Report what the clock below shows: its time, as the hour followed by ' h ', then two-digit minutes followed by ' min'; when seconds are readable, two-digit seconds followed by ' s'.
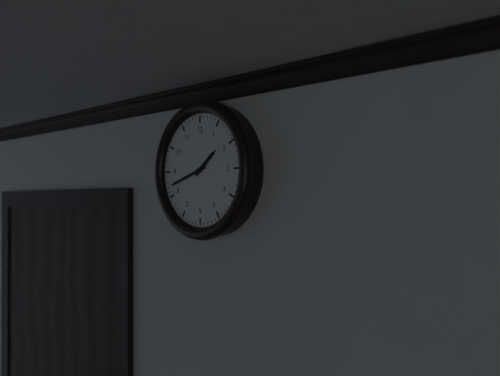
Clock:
1 h 42 min
